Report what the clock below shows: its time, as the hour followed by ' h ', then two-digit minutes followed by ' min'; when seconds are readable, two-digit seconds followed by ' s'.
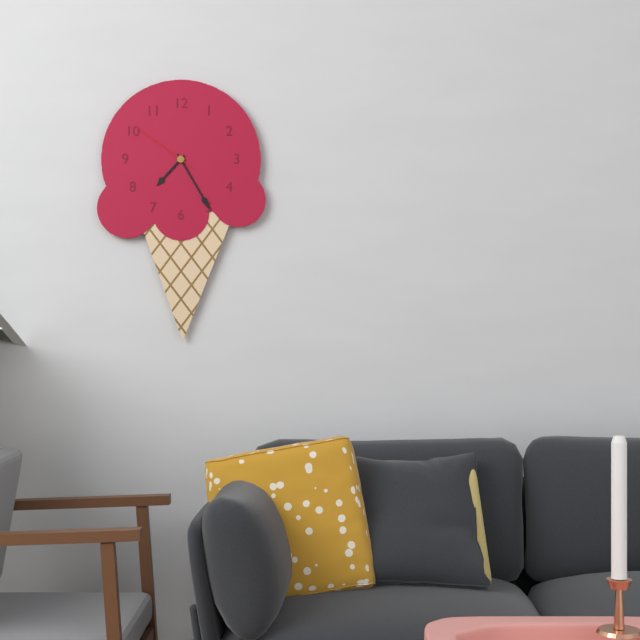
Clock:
7 h 25 min 51 s
